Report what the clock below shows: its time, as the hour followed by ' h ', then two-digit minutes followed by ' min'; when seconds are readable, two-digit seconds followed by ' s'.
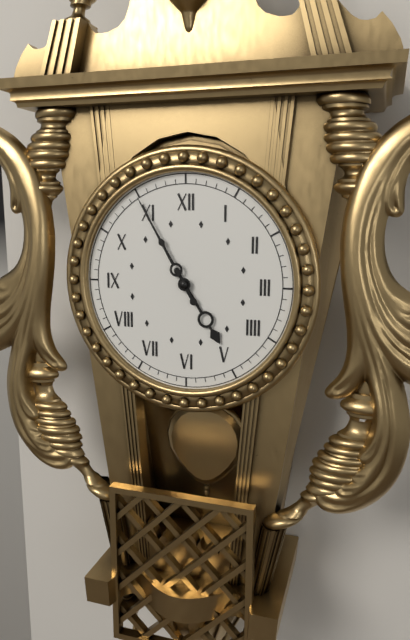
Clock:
4 h 55 min
